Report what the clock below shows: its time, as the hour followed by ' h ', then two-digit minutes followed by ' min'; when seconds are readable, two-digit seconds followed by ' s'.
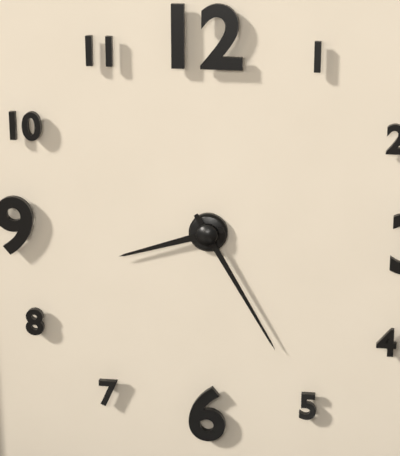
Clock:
8 h 25 min
